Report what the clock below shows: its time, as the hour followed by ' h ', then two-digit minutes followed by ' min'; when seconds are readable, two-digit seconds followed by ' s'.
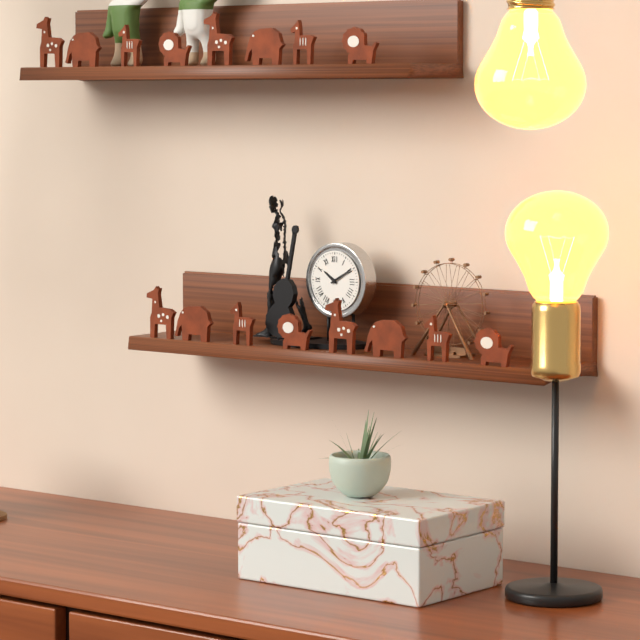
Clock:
10 h 10 min
